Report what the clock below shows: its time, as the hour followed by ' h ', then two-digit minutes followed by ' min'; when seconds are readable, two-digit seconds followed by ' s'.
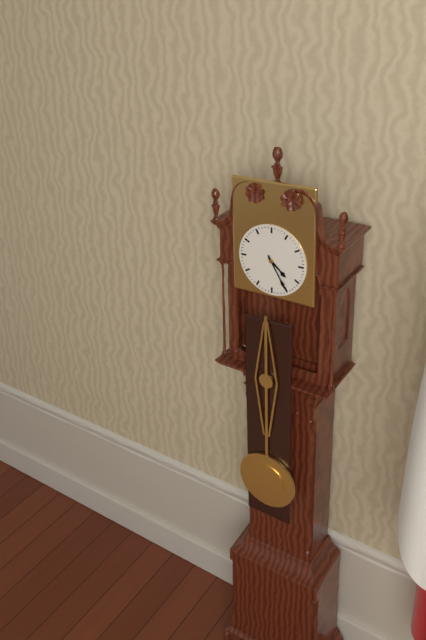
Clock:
4 h 25 min
